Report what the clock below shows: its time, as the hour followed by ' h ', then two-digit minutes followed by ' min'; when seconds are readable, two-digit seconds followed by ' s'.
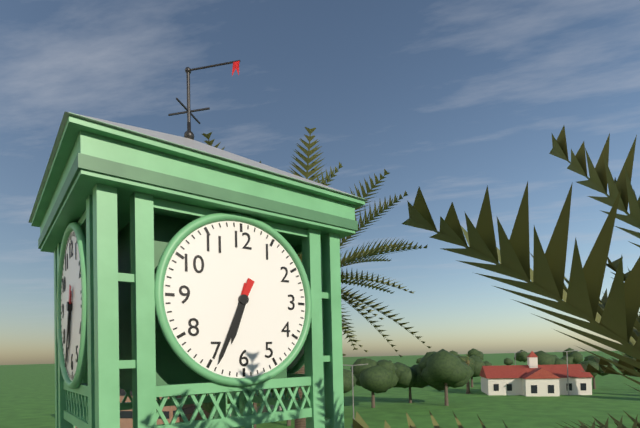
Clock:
6 h 34 min
